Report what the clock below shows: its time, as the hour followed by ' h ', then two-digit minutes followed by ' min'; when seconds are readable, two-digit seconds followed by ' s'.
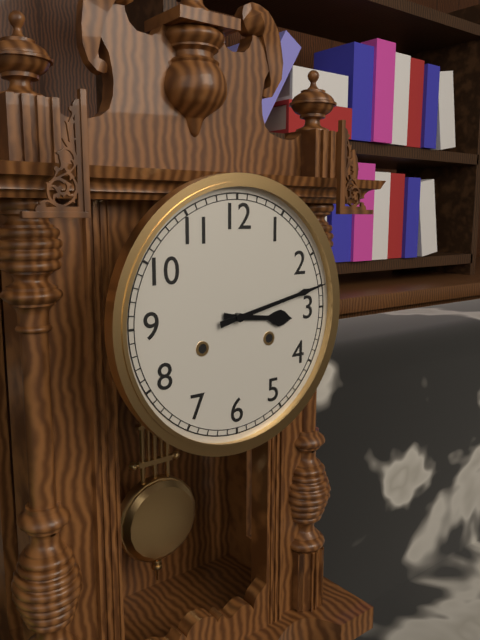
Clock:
3 h 13 min
